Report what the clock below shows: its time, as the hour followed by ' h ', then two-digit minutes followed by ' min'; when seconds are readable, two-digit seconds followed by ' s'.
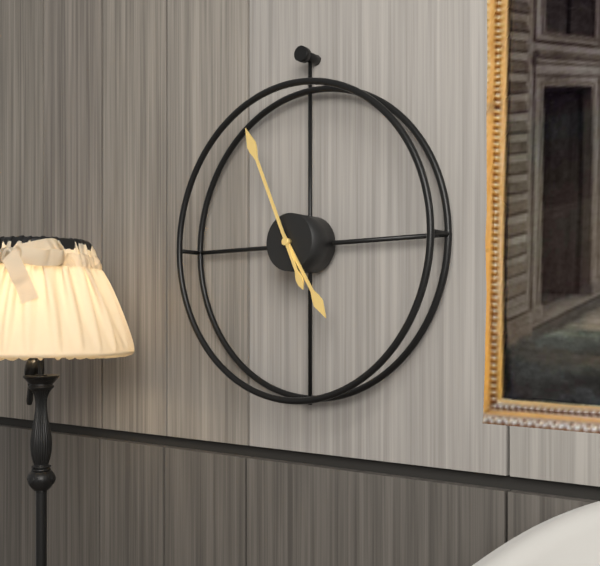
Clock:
4 h 56 min
